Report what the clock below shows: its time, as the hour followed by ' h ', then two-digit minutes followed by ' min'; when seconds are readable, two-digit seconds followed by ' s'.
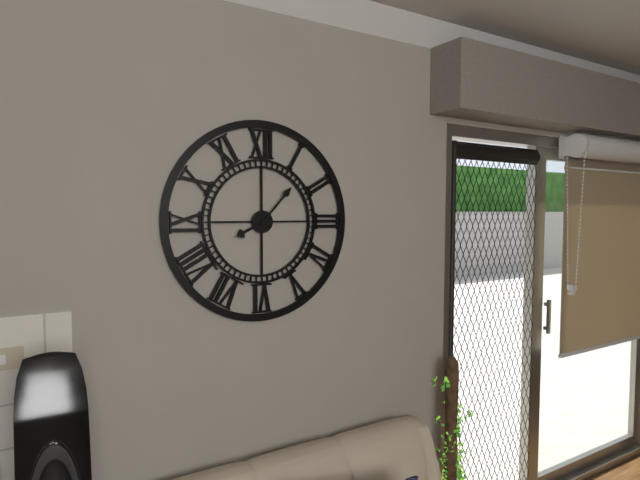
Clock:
8 h 07 min
